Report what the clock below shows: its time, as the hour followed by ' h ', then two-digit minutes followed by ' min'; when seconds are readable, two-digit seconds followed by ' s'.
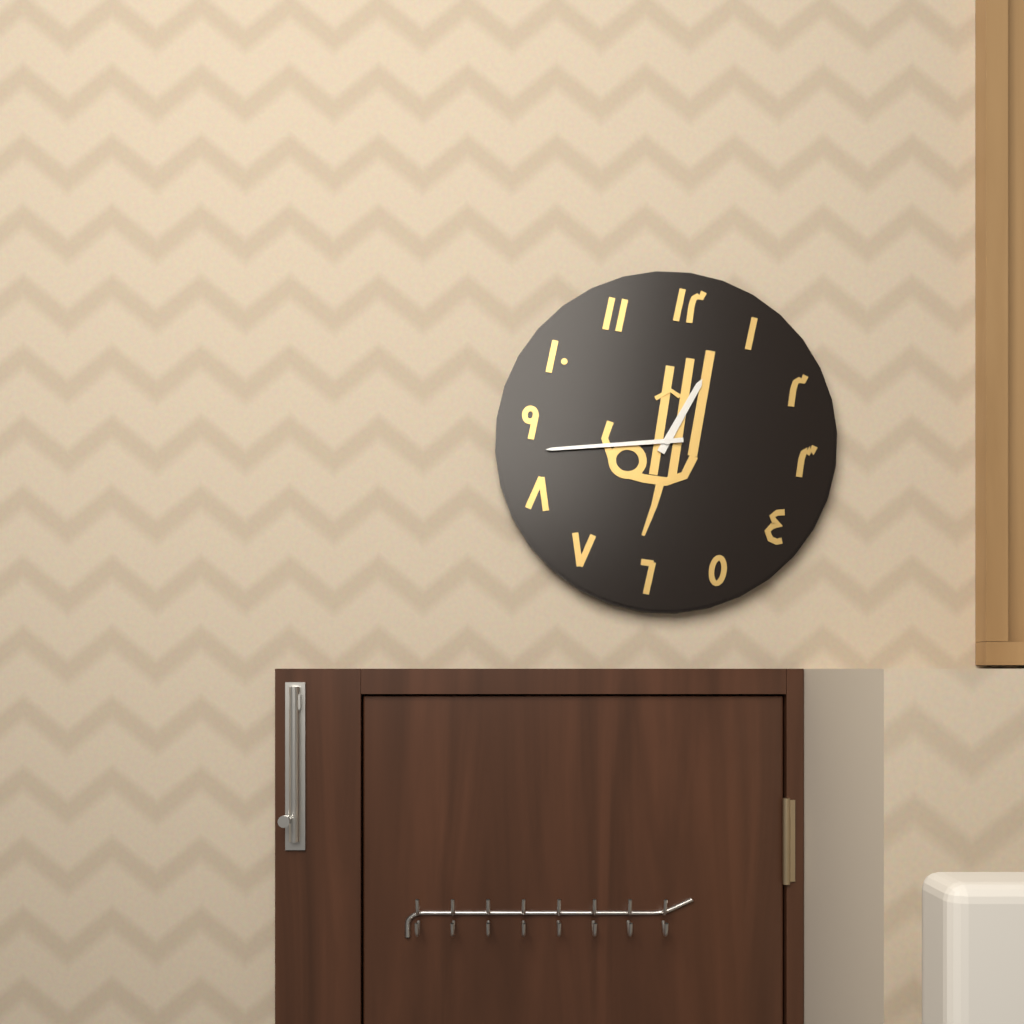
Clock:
12 h 43 min
